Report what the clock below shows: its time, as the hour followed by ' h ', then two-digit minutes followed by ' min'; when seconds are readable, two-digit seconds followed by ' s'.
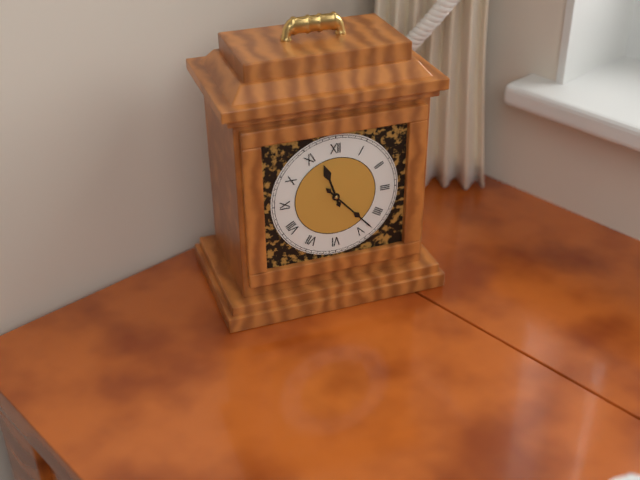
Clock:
11 h 23 min
